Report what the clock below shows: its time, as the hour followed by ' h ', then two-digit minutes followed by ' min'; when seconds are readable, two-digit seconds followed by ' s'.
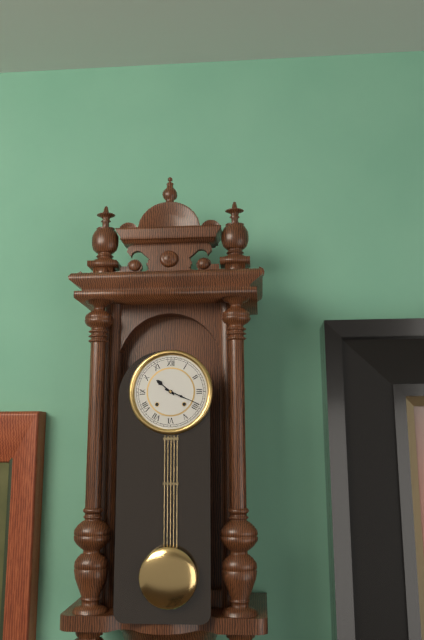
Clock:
10 h 19 min
